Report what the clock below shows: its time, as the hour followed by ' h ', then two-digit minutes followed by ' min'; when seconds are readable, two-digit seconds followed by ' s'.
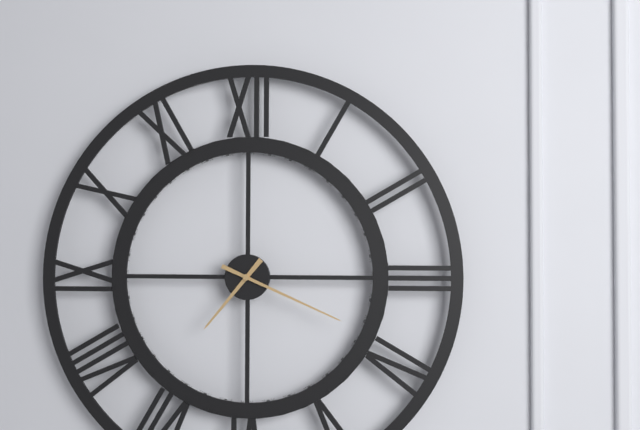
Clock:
7 h 19 min
